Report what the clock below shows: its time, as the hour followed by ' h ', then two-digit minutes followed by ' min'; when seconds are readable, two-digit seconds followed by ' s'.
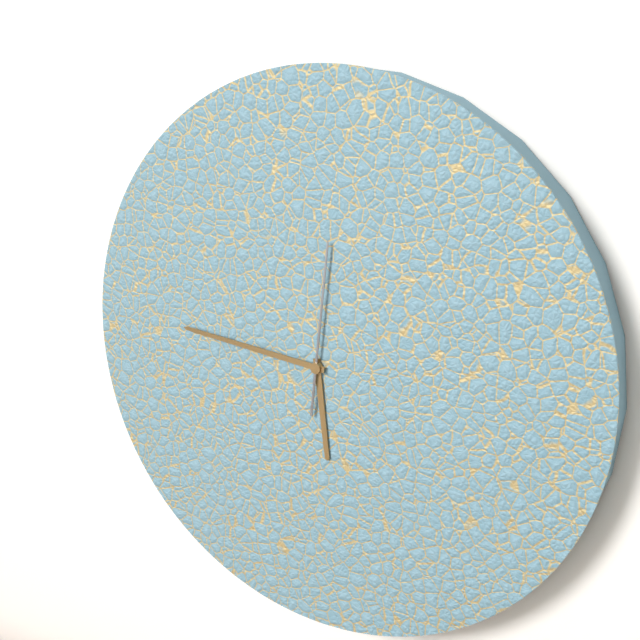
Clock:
5 h 46 min 01 s
